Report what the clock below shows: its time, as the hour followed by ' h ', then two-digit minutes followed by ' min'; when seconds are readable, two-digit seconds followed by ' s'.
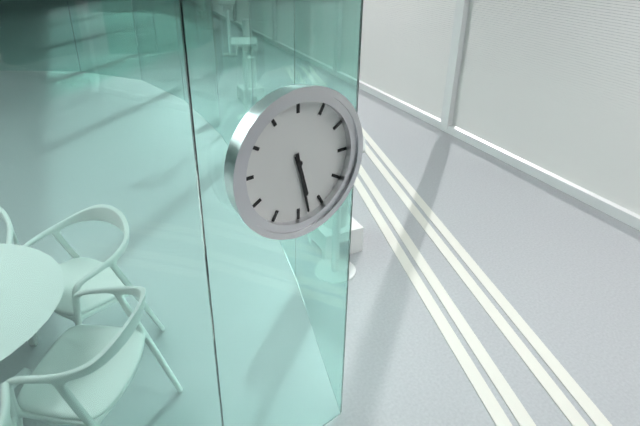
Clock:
5 h 28 min
